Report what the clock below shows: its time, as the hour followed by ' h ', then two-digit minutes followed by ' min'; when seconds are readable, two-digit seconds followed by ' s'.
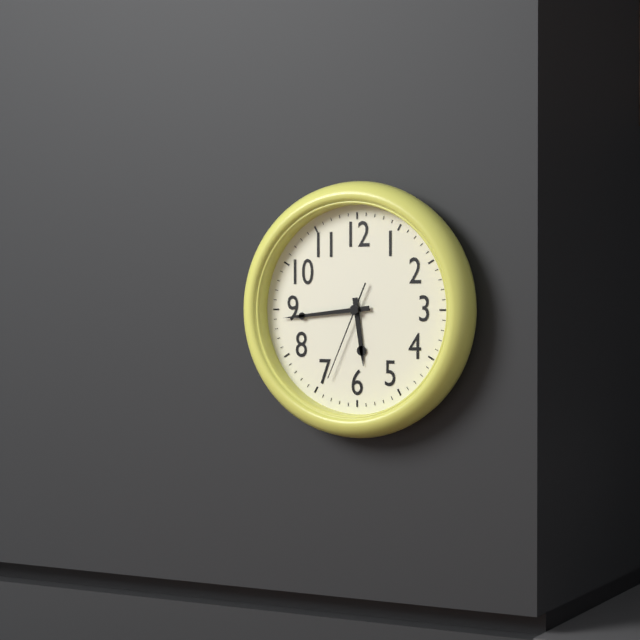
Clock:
5 h 44 min 34 s
